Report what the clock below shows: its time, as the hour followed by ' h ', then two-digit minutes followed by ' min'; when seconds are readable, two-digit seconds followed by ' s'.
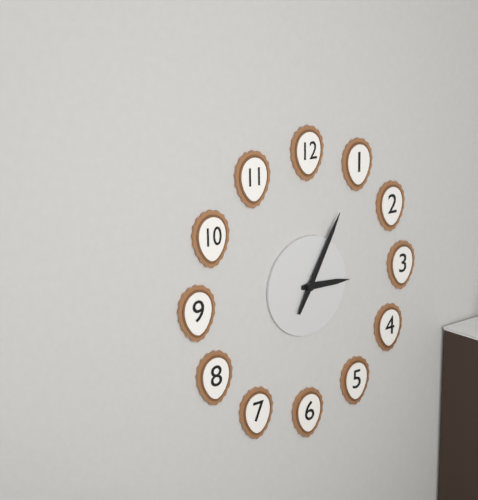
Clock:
3 h 05 min
